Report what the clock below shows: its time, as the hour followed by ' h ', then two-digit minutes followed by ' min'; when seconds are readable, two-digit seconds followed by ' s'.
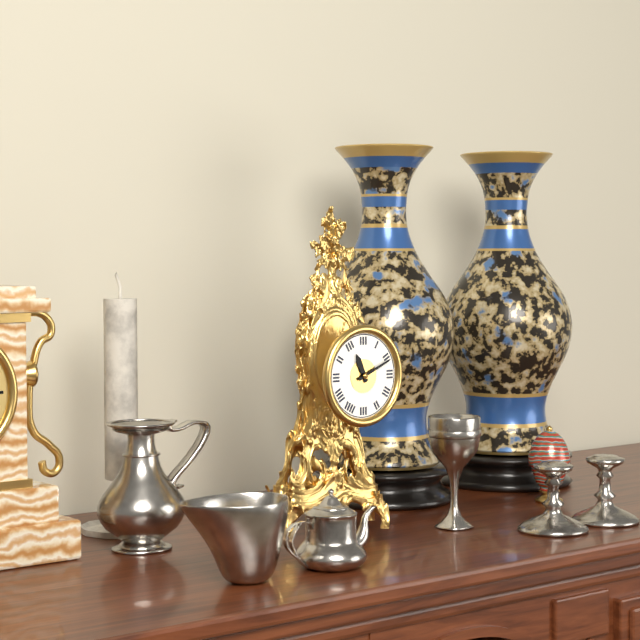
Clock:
11 h 11 min
